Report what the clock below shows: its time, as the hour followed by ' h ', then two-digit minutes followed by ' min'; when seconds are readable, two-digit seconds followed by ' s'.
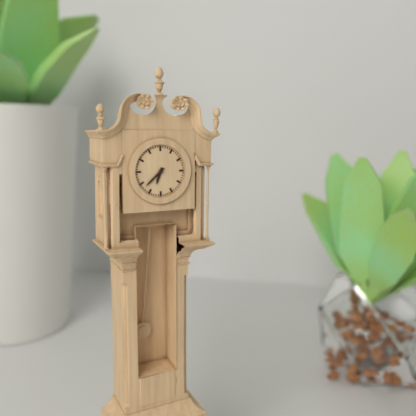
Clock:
6 h 38 min
